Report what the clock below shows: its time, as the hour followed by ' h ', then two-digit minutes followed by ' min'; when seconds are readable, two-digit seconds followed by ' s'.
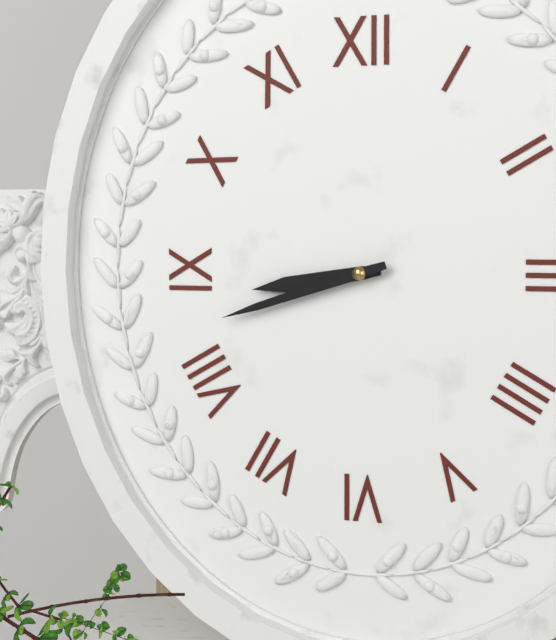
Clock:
8 h 42 min
